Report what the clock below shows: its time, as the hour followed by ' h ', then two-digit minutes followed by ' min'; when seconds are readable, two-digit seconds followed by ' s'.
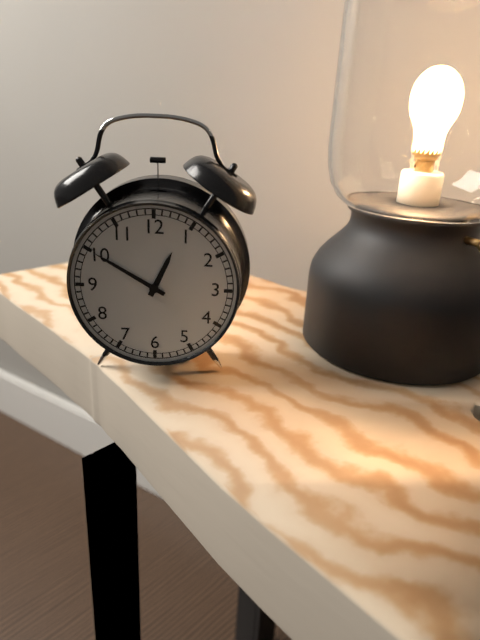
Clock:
12 h 50 min
